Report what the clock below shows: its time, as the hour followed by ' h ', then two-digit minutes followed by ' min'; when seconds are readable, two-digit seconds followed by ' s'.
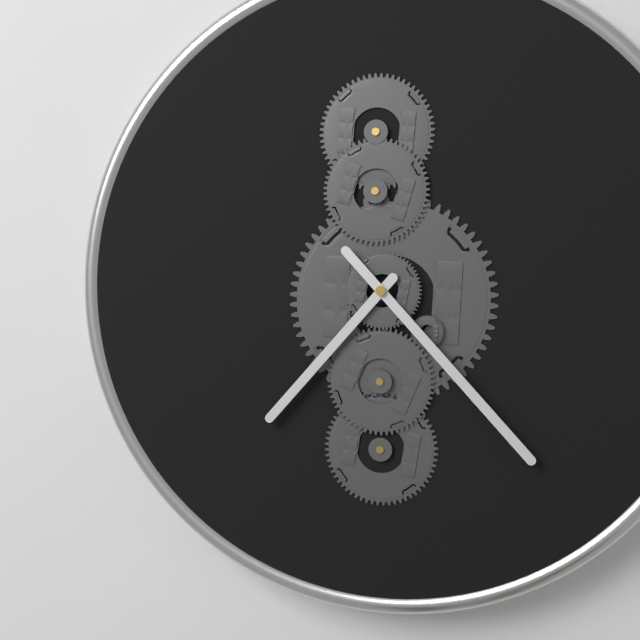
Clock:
7 h 23 min
